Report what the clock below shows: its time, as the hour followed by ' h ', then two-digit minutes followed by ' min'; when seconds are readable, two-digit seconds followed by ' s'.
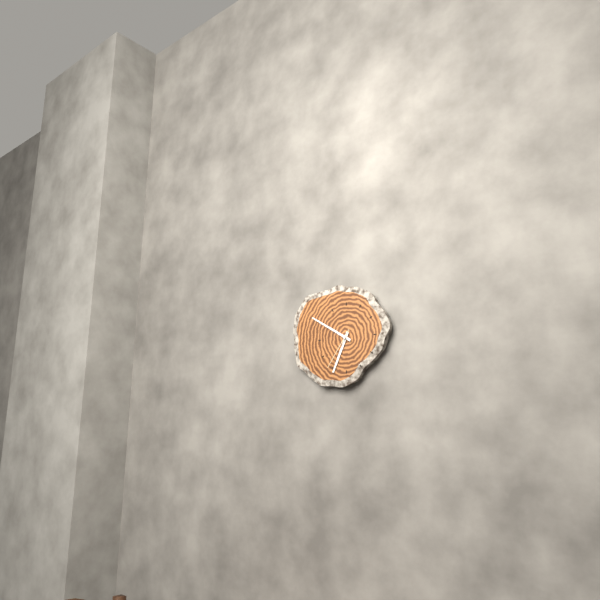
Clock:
6 h 50 min
